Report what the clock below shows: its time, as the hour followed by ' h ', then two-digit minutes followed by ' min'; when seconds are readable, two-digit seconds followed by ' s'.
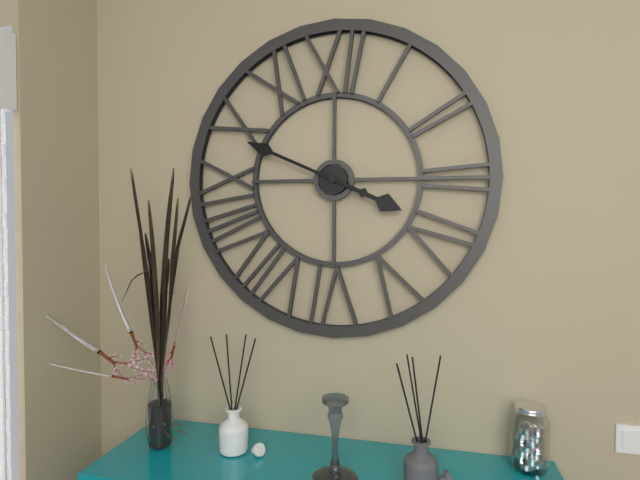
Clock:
3 h 49 min
